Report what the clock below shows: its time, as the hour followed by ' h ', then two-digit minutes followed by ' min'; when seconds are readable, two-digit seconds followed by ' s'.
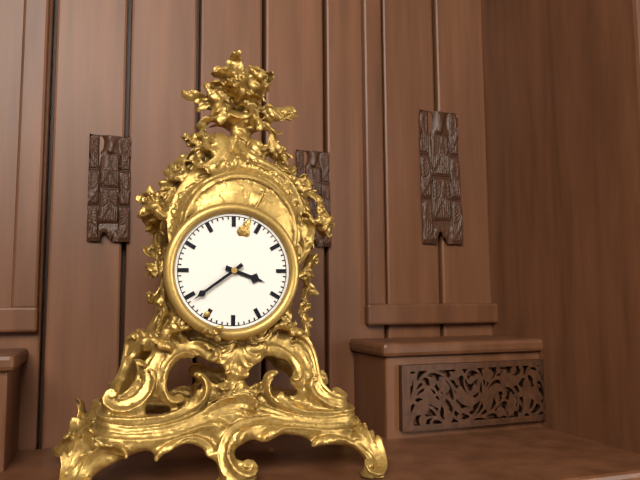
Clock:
3 h 39 min
